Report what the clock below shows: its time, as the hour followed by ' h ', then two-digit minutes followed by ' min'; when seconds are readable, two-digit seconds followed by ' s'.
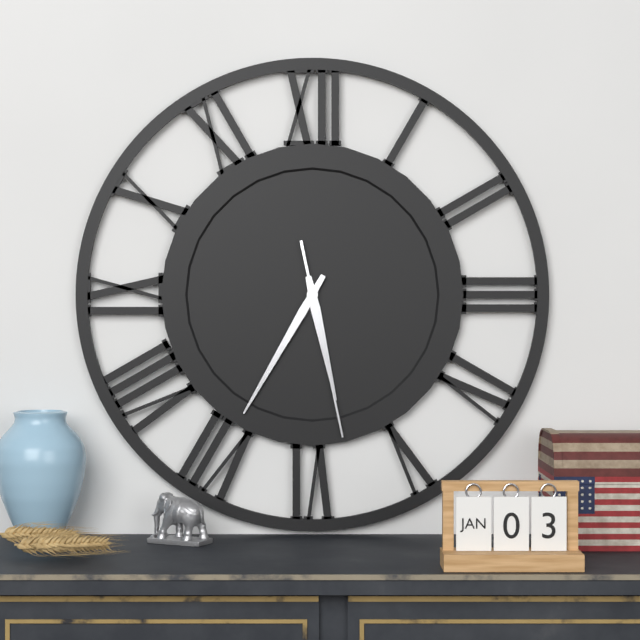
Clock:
5 h 35 min 28 s
